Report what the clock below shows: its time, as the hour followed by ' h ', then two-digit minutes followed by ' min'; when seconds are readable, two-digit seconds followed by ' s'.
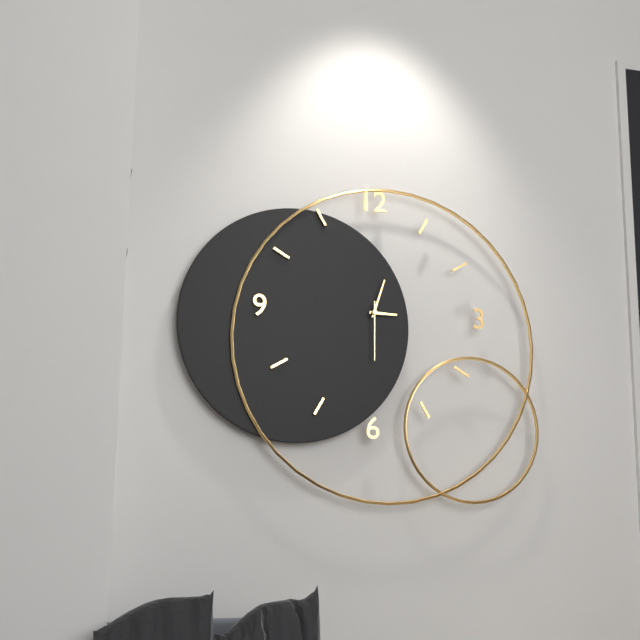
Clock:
3 h 03 min 30 s
